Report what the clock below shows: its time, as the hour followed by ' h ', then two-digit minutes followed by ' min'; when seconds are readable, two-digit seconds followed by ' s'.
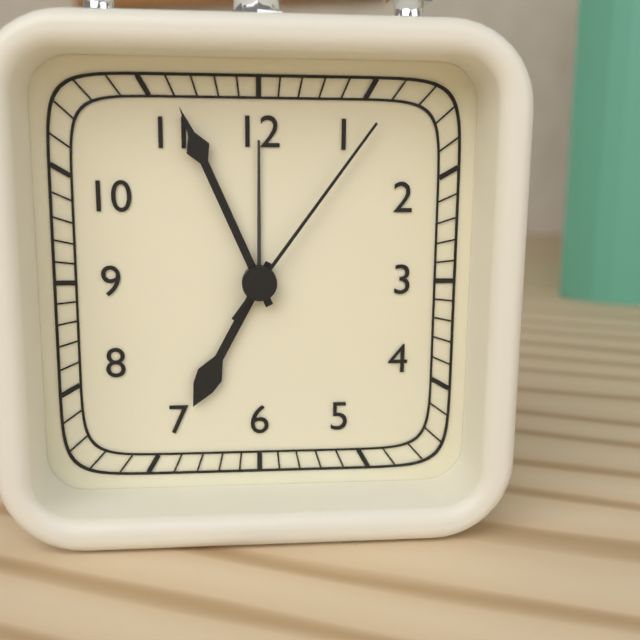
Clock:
6 h 56 min 06 s
